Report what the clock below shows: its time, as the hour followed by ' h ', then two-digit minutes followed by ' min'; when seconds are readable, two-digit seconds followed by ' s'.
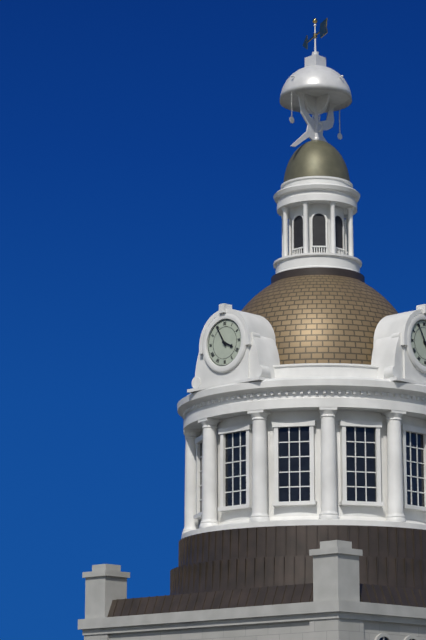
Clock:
3 h 55 min
